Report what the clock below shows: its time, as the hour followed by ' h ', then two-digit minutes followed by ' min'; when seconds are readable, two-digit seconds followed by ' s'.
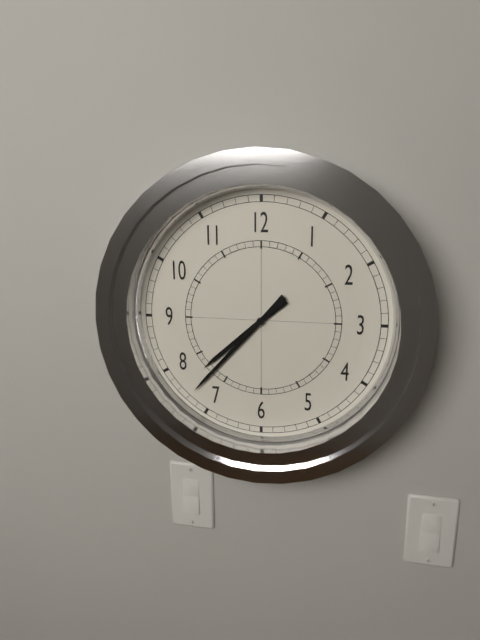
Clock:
7 h 37 min
